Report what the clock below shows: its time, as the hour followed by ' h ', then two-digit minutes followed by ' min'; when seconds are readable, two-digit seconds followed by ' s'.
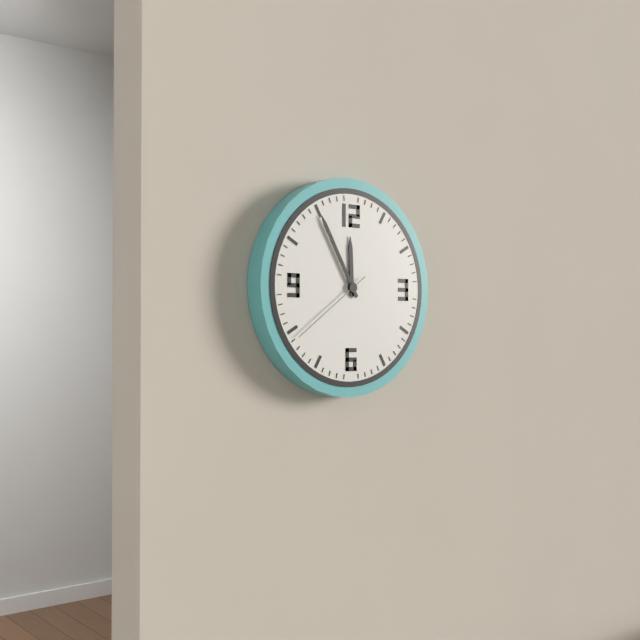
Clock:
11 h 55 min 39 s
